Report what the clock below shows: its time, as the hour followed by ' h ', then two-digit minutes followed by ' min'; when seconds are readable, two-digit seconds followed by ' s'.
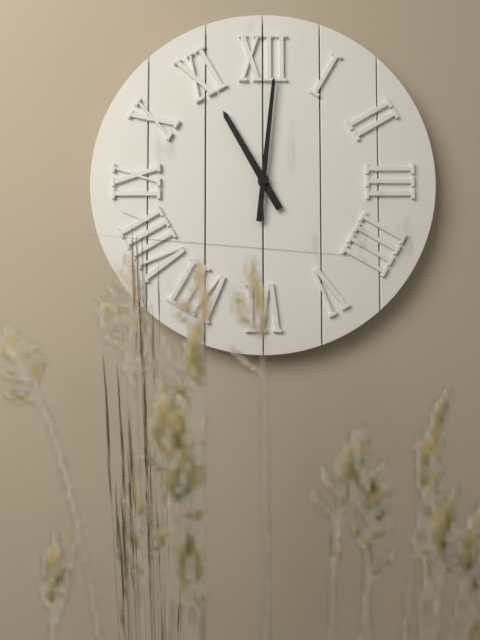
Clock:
11 h 01 min
